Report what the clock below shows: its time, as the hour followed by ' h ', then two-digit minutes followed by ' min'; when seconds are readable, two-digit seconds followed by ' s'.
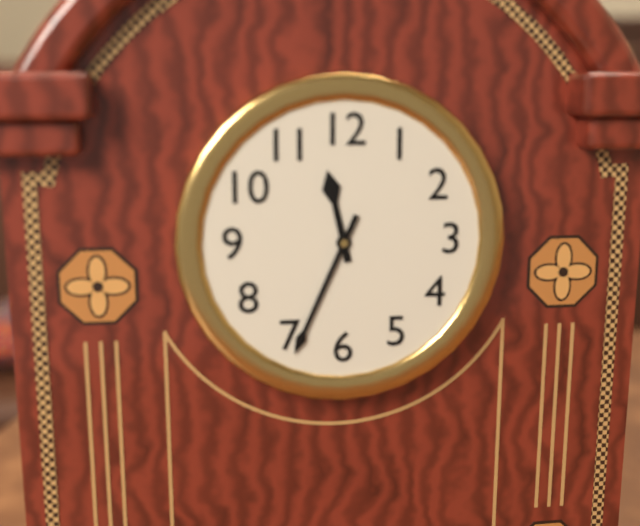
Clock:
11 h 34 min
